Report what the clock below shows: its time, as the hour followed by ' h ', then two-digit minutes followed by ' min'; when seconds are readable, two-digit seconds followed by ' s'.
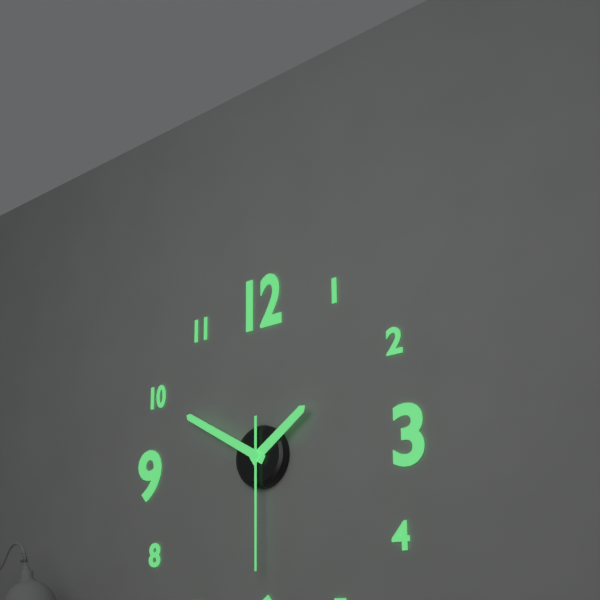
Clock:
1 h 50 min 30 s
